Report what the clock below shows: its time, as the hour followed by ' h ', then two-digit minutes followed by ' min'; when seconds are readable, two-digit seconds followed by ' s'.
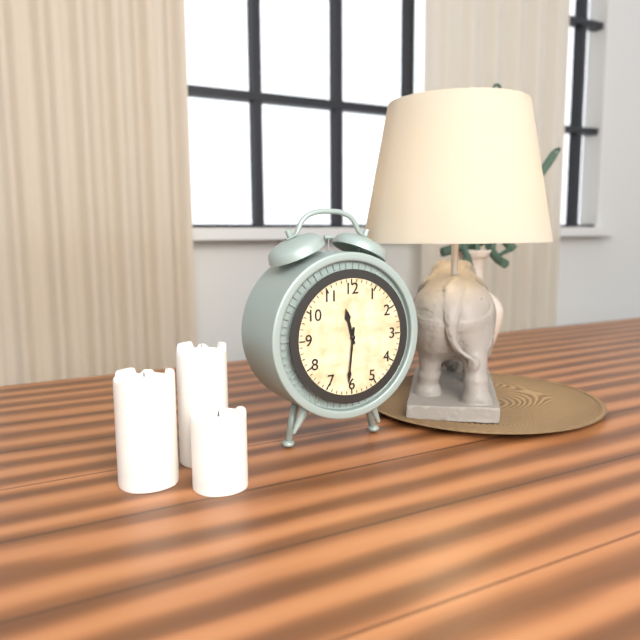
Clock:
11 h 31 min
